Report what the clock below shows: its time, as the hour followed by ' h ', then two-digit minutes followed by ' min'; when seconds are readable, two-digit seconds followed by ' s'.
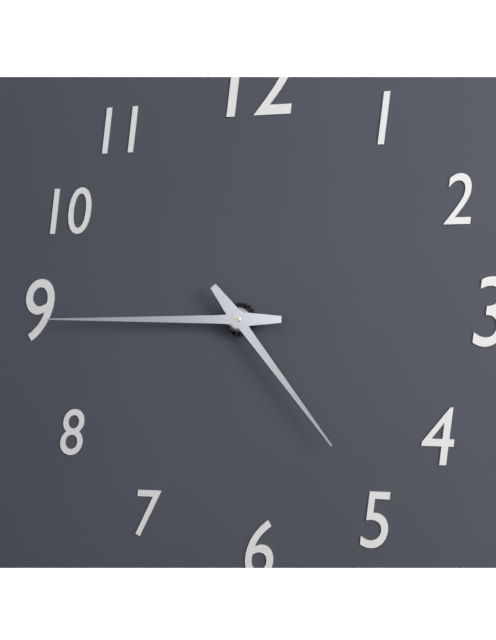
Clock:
4 h 45 min
